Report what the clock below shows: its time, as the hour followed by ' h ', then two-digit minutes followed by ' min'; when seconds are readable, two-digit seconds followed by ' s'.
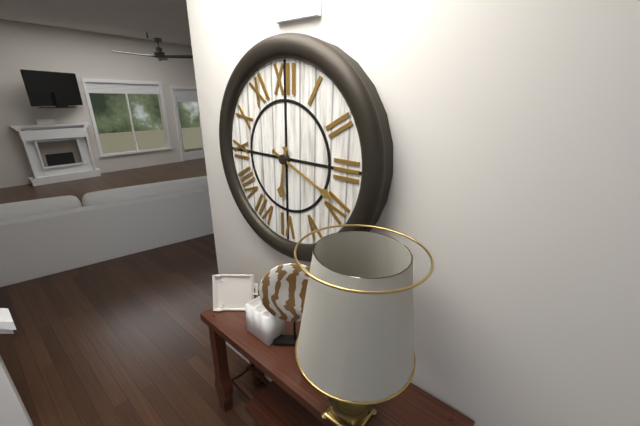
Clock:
6 h 19 min
